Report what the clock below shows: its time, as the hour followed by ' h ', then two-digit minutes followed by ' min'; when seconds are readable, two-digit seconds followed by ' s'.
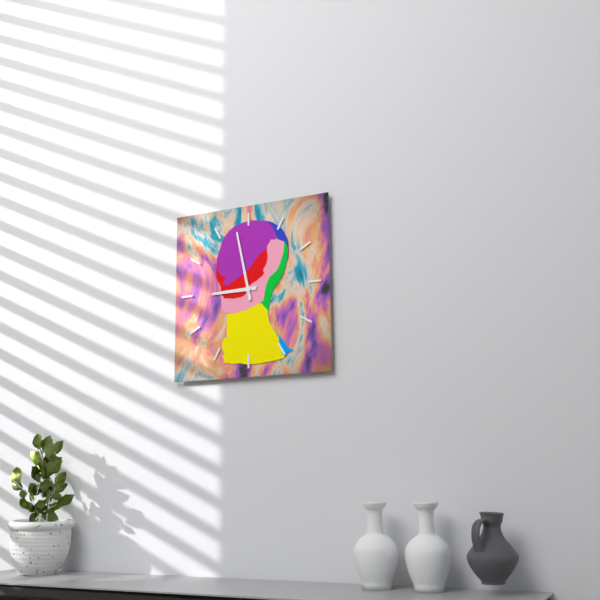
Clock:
8 h 58 min
